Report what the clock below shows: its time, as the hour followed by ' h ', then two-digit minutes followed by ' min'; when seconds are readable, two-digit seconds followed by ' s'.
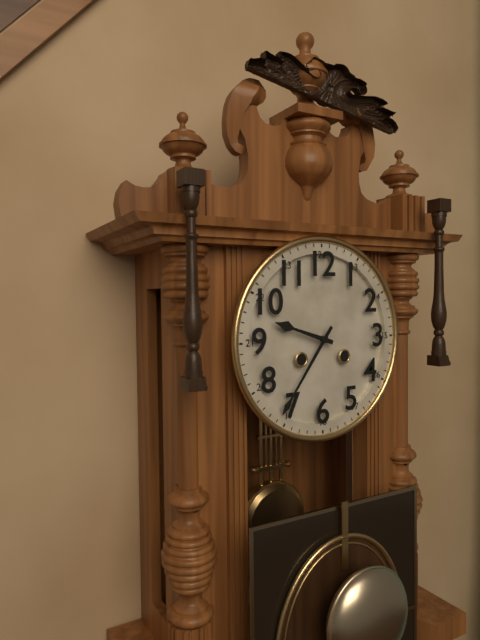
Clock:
9 h 36 min
